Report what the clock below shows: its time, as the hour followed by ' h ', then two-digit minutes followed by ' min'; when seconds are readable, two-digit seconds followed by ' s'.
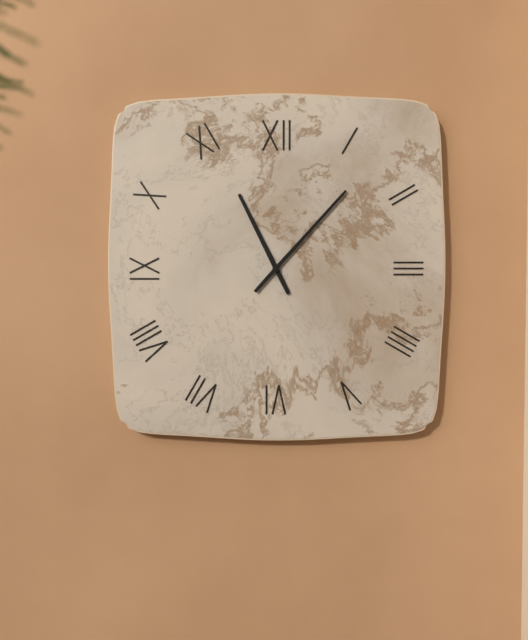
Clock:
11 h 07 min
